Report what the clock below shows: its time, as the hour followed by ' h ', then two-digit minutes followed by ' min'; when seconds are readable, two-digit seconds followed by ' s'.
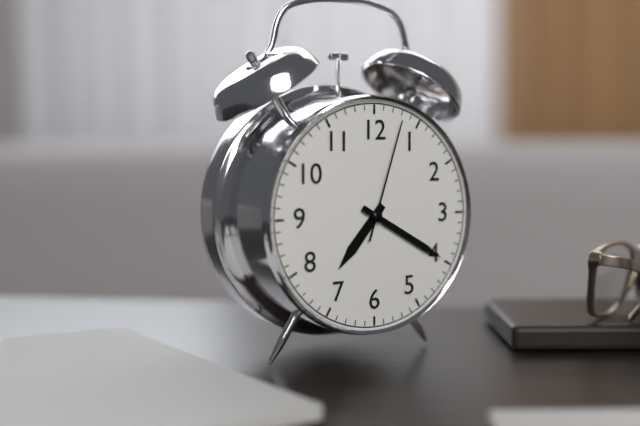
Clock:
7 h 20 min 03 s
